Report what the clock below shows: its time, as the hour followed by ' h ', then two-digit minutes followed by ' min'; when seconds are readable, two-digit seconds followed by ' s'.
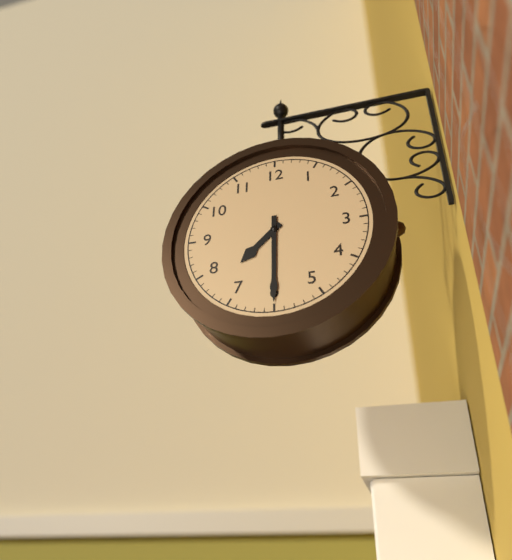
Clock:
7 h 30 min
